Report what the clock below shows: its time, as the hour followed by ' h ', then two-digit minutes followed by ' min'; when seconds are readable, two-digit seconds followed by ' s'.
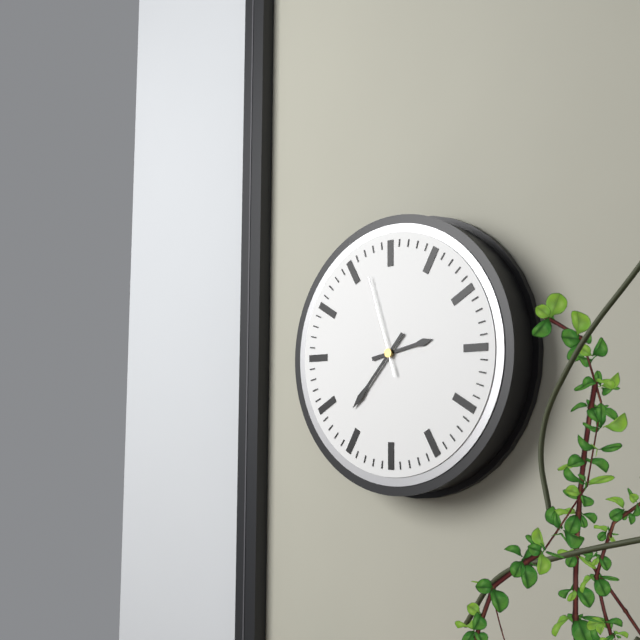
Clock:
2 h 37 min 57 s
